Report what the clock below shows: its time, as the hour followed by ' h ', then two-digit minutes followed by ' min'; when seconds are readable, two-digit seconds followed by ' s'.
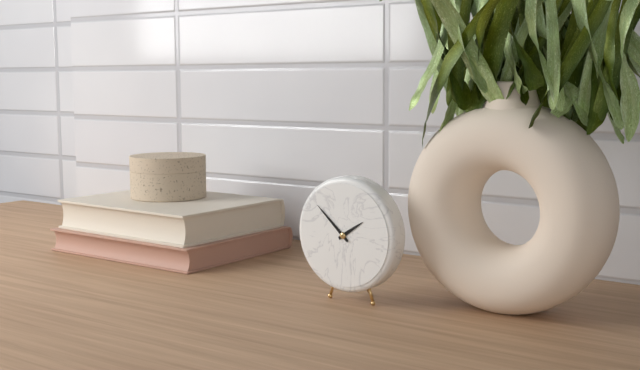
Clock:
1 h 52 min
